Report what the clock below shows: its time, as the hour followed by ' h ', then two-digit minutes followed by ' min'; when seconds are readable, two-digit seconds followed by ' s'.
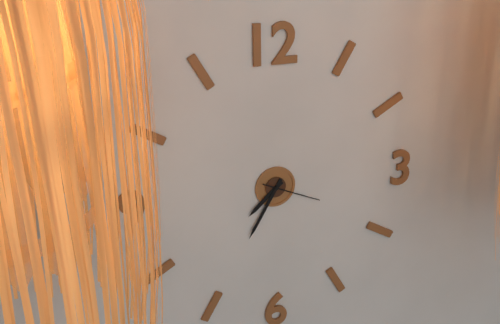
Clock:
7 h 35 min 19 s
